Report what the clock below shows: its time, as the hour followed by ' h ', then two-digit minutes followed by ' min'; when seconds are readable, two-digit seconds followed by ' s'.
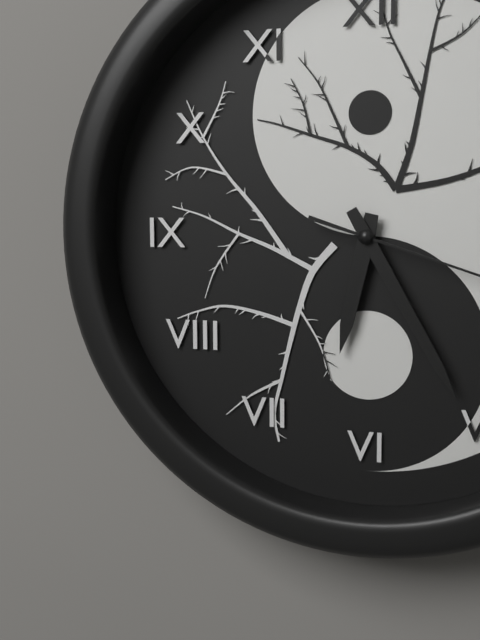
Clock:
6 h 25 min
